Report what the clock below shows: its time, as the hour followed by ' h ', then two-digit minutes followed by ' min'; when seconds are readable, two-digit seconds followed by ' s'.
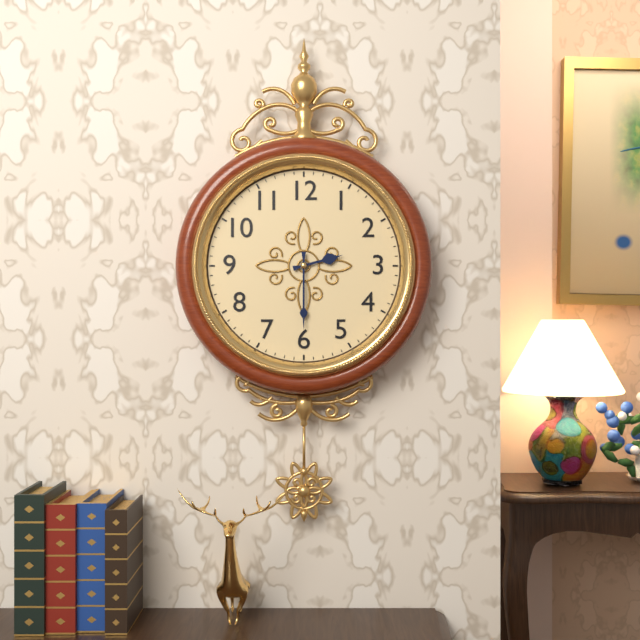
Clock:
2 h 30 min
